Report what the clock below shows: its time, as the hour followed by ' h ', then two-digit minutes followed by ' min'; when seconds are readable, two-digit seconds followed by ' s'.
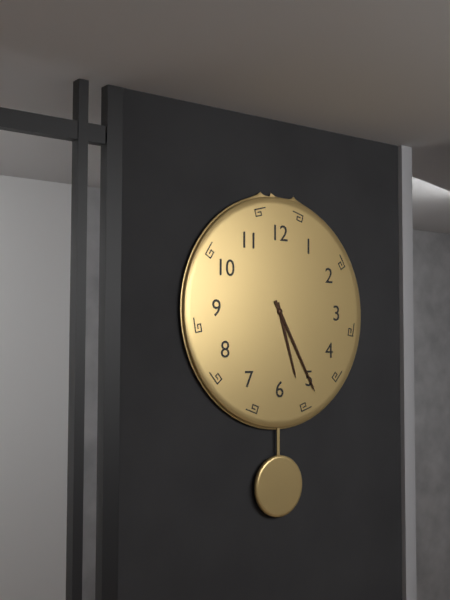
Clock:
5 h 25 min
